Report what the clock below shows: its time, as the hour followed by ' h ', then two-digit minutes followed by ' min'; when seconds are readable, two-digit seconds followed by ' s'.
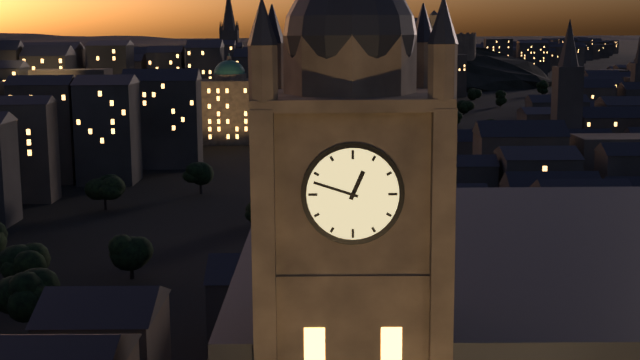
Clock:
12 h 48 min
